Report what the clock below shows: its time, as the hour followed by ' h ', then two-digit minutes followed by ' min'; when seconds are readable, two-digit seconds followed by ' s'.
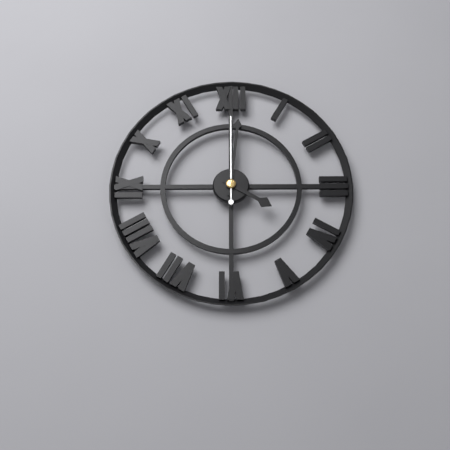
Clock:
4 h 01 min 00 s
